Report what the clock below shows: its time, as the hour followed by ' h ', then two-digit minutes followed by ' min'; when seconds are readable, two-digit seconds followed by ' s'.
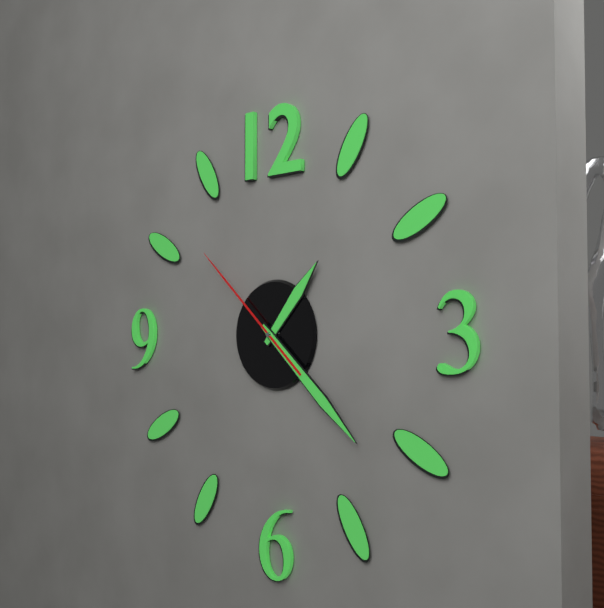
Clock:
1 h 22 min 52 s
